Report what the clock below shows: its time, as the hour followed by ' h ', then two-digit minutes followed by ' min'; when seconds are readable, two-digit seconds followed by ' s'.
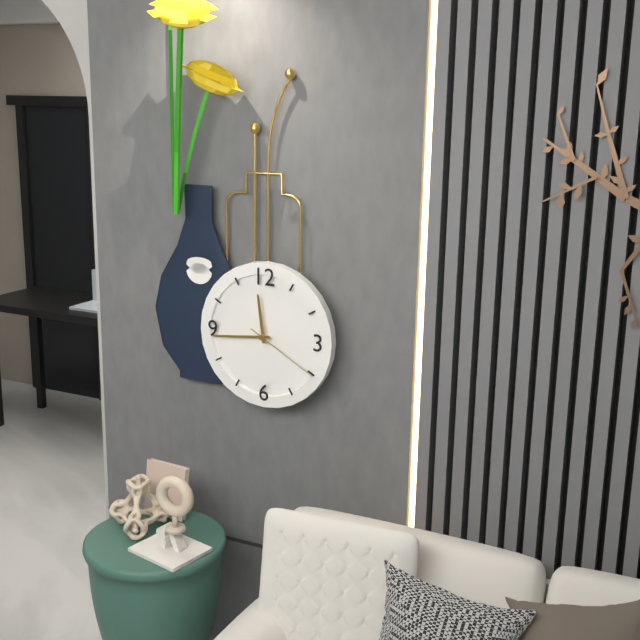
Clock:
11 h 44 min 20 s
